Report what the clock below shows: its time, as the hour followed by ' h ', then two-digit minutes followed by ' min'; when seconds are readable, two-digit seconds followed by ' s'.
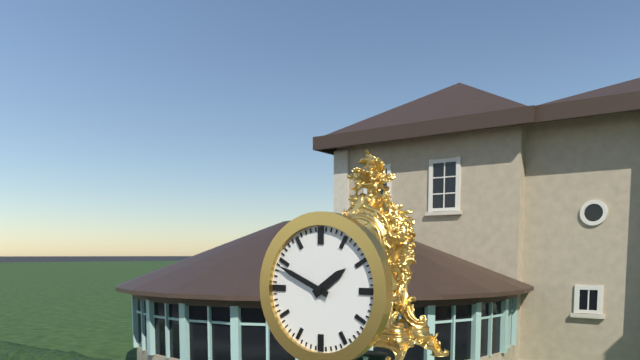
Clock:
1 h 49 min
